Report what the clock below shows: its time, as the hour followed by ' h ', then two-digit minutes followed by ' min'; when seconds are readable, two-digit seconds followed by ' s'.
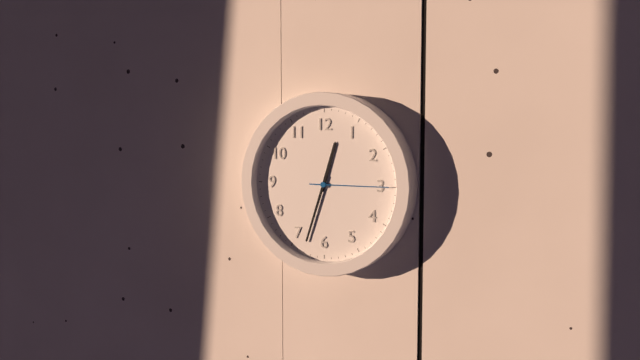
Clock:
12 h 33 min 15 s
